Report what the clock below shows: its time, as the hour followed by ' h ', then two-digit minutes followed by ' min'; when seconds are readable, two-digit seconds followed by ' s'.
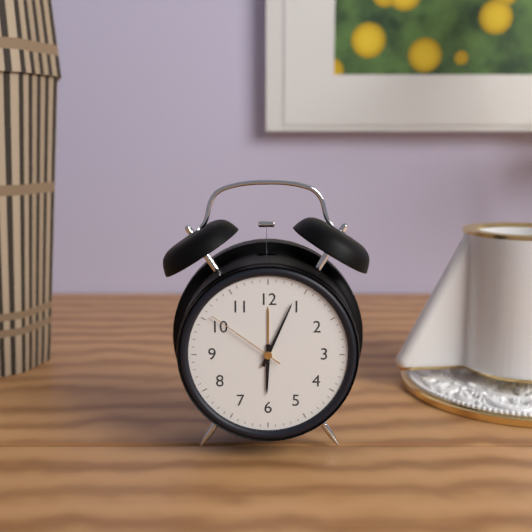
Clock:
6 h 04 min 51 s
